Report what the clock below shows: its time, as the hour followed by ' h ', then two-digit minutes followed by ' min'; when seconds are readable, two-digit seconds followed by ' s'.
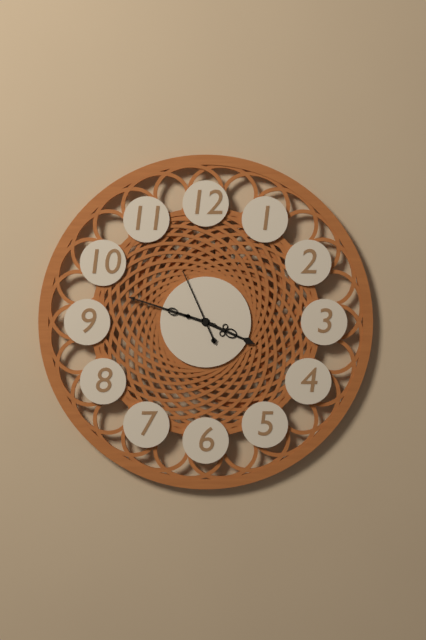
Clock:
3 h 48 min 56 s
